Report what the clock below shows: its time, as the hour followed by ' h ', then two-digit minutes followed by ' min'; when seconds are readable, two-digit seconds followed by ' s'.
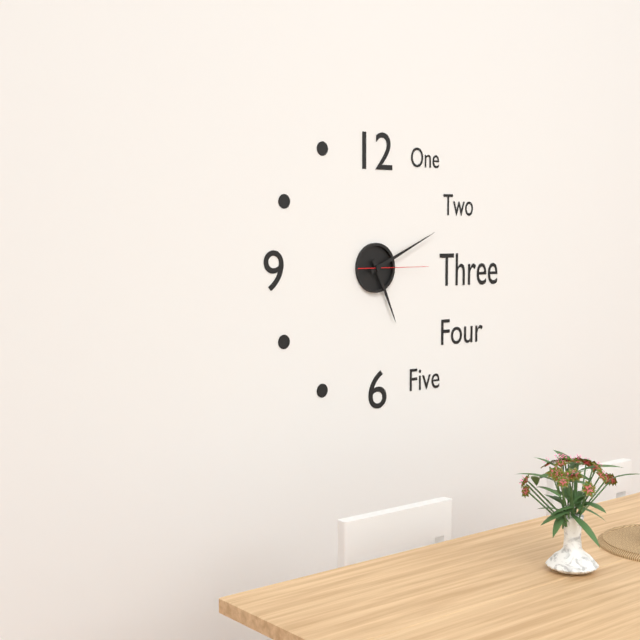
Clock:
5 h 11 min 15 s
